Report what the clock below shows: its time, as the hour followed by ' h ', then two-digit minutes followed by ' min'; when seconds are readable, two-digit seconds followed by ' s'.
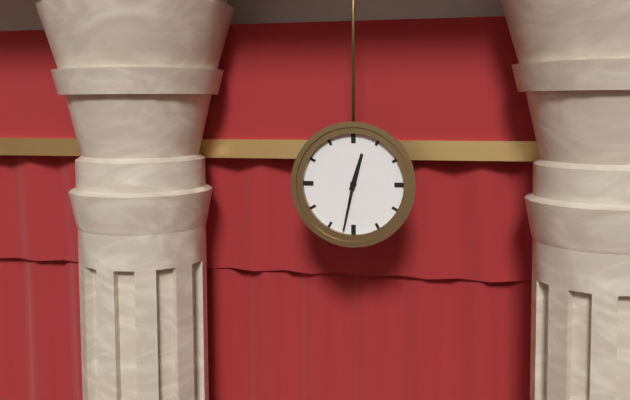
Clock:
12 h 32 min
